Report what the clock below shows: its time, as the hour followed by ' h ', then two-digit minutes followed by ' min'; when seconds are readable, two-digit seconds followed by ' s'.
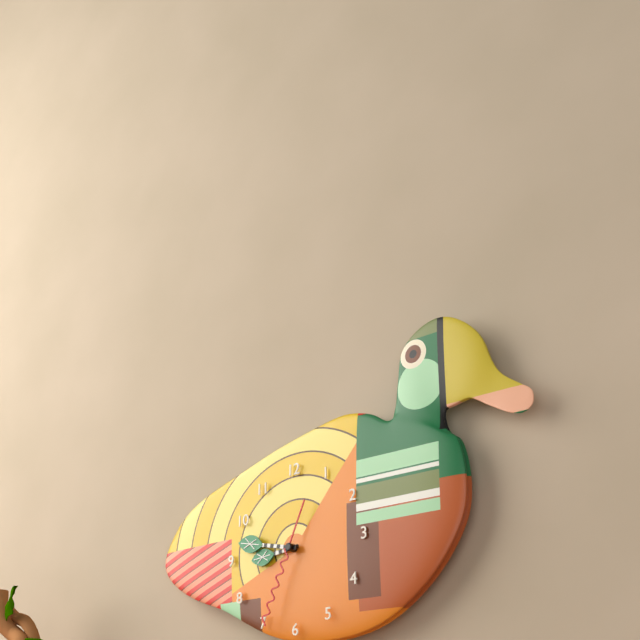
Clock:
8 h 47 min 34 s
